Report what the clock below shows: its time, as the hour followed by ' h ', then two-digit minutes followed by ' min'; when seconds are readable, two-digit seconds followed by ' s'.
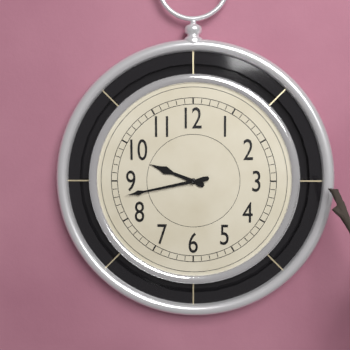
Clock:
9 h 43 min
